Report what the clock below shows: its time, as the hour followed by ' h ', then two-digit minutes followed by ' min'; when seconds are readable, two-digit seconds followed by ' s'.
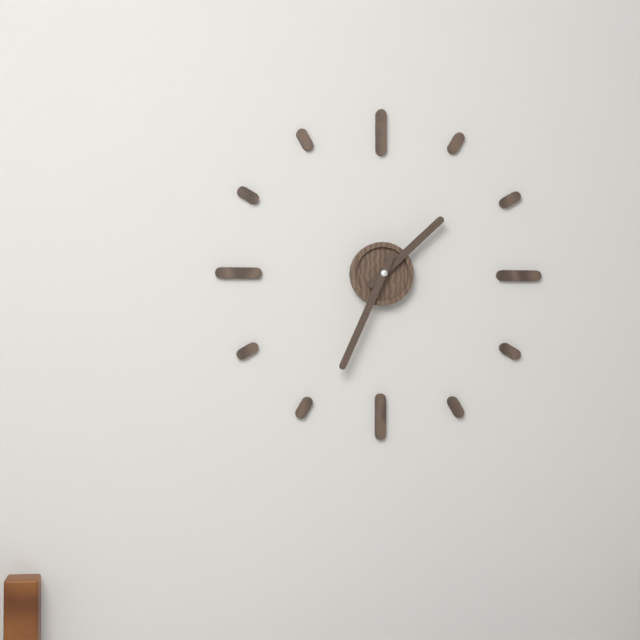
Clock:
1 h 34 min
